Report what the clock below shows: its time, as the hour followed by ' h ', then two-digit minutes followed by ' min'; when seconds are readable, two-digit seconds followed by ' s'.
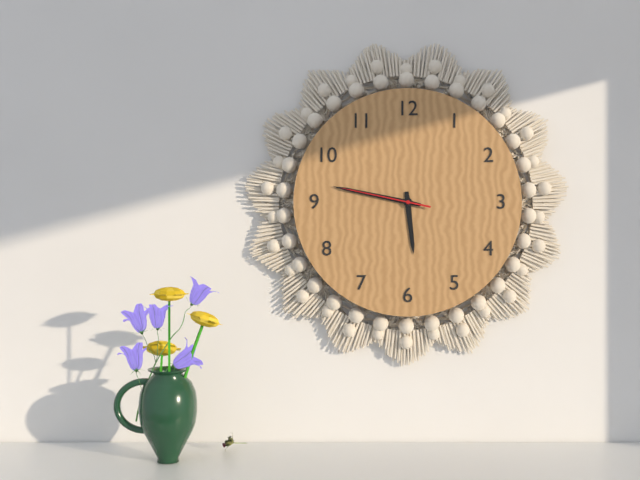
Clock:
5 h 47 min 47 s
